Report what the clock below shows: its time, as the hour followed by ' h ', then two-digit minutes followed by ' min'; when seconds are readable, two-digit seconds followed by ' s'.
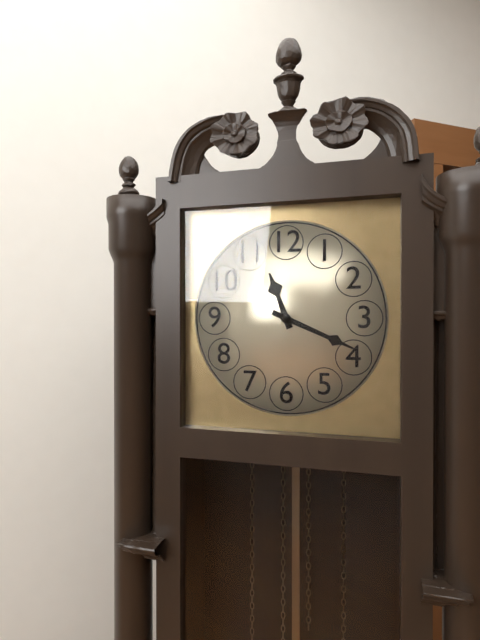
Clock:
11 h 19 min
